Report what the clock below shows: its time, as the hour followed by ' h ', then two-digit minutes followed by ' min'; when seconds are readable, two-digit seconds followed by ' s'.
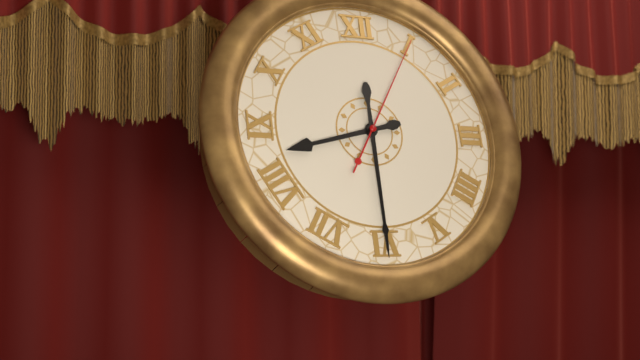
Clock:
8 h 30 min 05 s
